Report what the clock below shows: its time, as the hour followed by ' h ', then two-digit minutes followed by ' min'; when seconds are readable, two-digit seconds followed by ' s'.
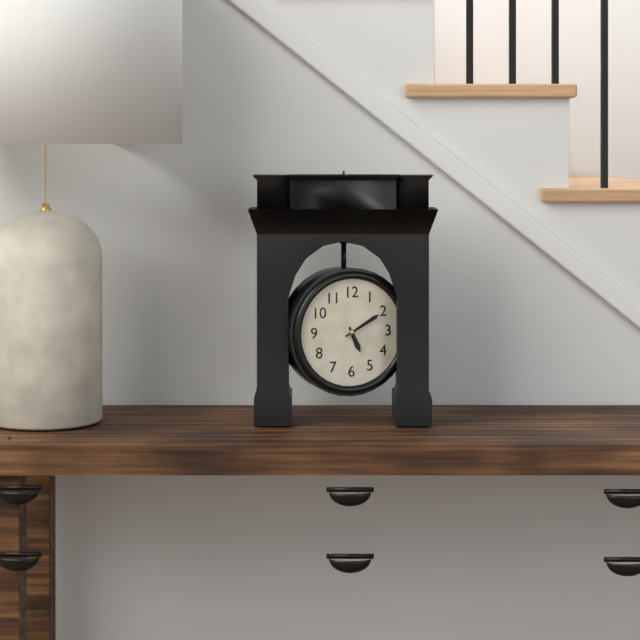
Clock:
5 h 10 min
